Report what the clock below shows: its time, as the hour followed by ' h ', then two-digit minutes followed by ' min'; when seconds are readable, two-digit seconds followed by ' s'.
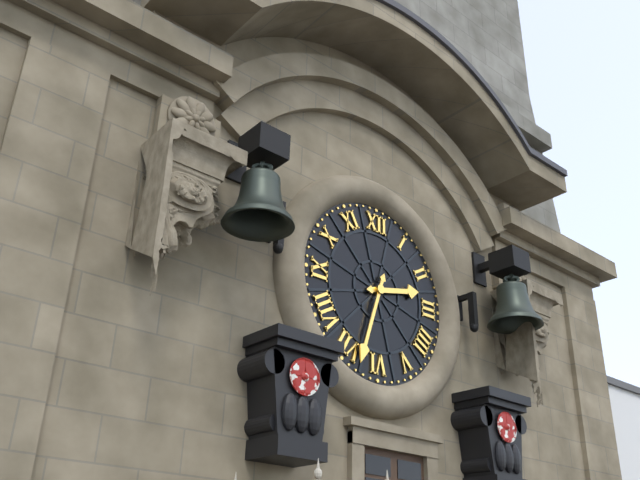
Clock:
2 h 33 min
